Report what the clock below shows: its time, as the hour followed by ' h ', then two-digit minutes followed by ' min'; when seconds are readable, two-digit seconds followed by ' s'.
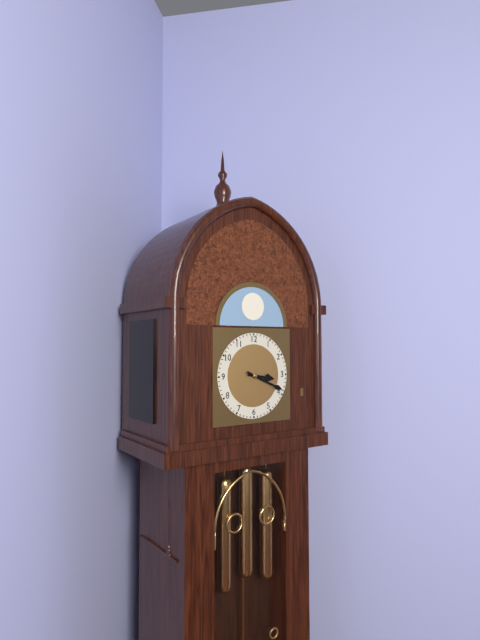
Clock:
3 h 19 min
